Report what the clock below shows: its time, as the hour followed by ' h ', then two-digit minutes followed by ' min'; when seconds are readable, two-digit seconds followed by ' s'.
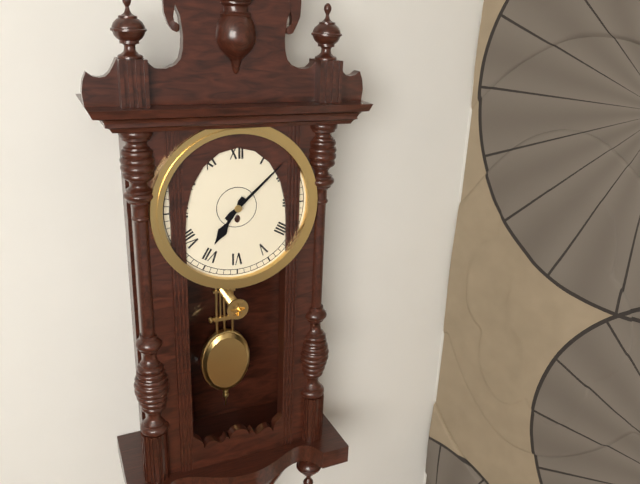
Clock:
7 h 08 min
